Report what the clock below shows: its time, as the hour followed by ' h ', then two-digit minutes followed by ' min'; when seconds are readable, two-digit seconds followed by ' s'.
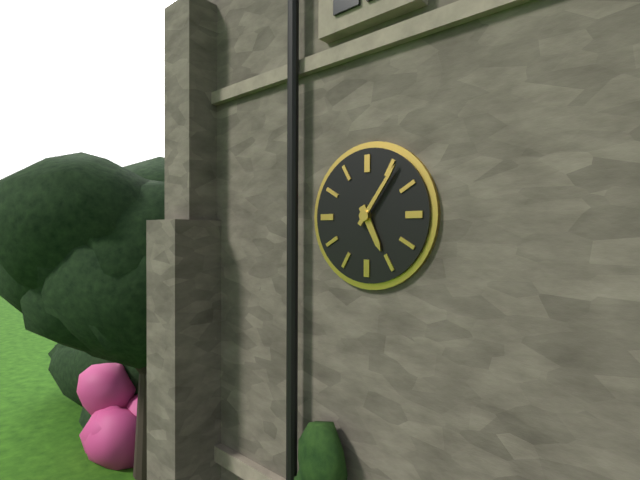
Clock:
5 h 06 min
